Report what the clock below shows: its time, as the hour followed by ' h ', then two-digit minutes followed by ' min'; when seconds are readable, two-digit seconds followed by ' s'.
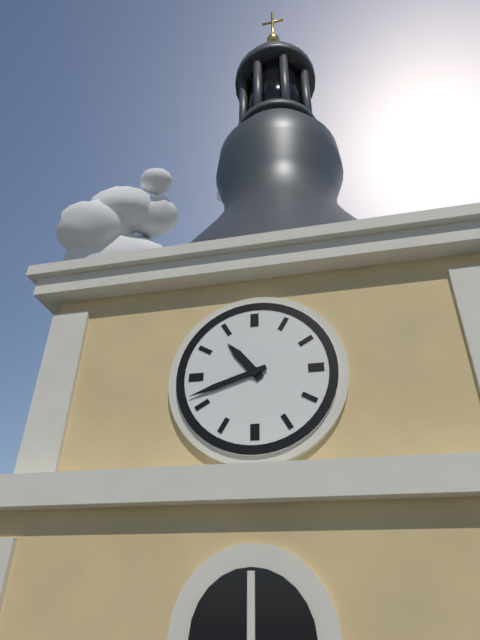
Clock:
10 h 42 min
